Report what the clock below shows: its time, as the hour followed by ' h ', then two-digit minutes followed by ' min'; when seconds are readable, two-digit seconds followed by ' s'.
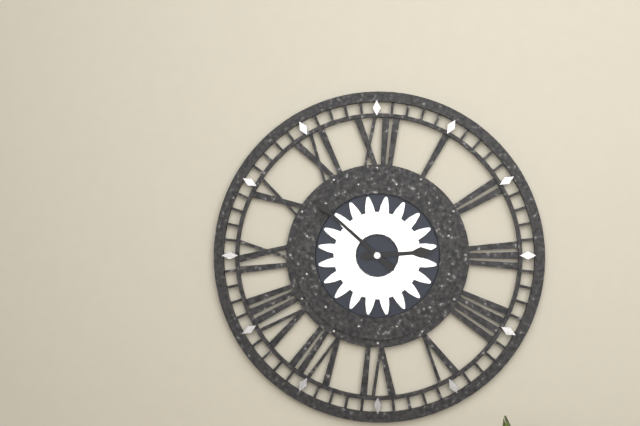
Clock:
2 h 52 min
